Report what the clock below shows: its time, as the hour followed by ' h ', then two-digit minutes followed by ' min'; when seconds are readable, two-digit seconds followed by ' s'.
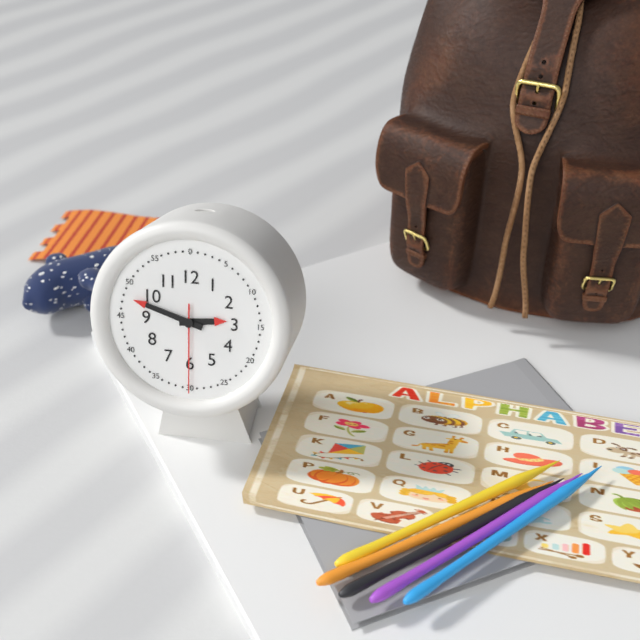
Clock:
2 h 48 min 30 s
